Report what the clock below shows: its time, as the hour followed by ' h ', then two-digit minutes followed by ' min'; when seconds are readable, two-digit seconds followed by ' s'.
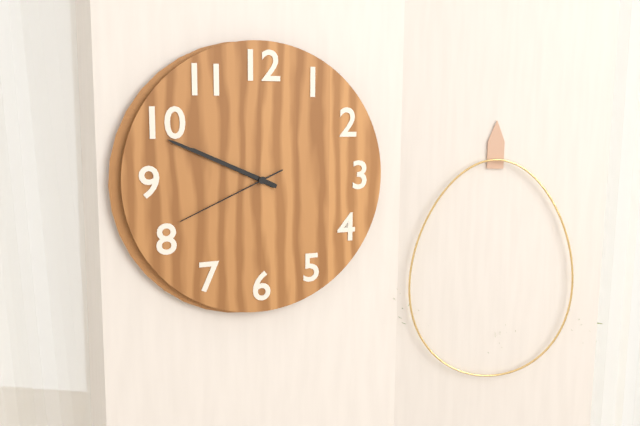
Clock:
9 h 49 min 41 s
